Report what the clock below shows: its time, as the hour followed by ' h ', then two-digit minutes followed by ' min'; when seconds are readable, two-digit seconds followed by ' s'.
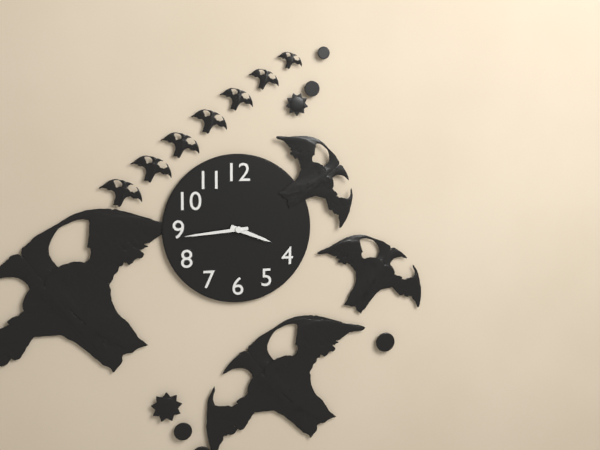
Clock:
3 h 44 min
